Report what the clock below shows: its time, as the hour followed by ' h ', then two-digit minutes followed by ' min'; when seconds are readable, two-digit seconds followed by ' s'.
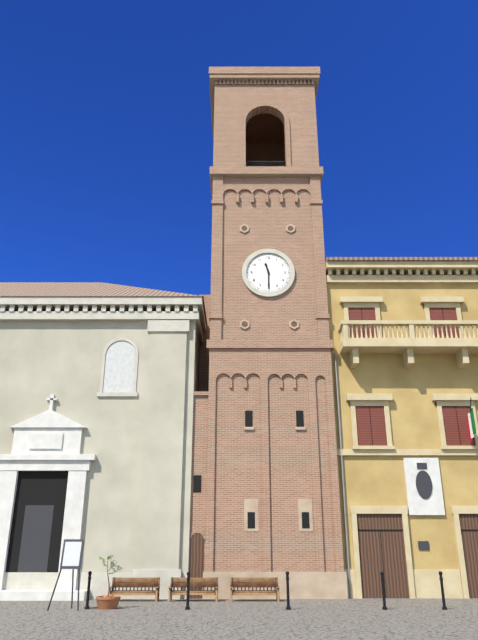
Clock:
11 h 30 min
